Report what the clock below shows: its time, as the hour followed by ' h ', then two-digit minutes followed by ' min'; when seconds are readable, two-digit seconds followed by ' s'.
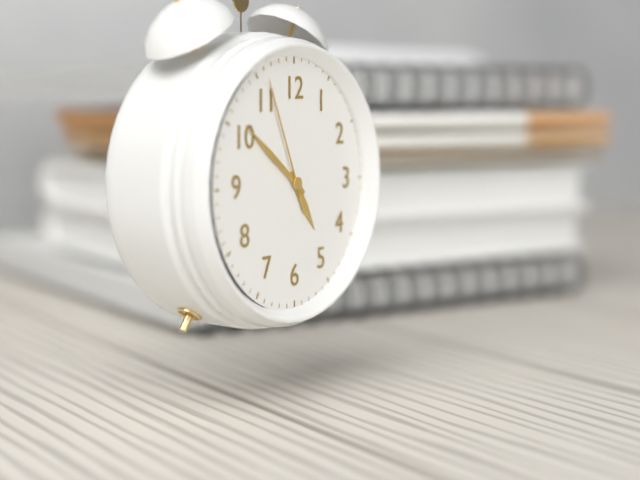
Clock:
4 h 51 min 56 s
